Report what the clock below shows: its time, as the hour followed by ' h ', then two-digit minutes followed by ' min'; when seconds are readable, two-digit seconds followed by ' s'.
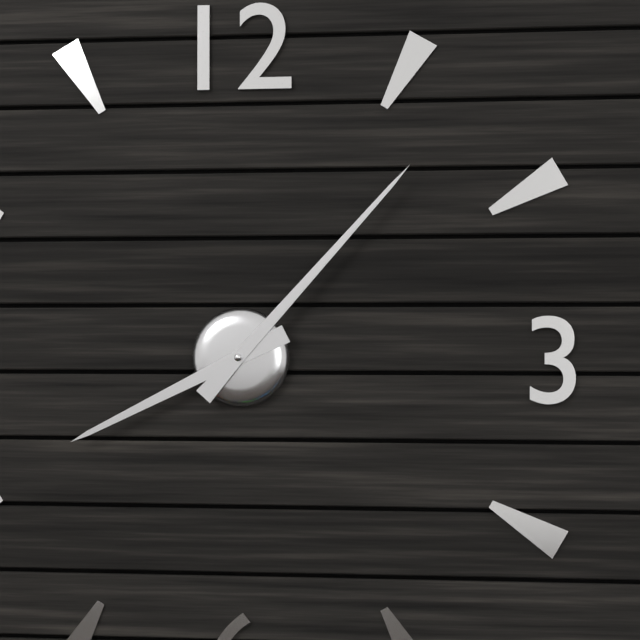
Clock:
8 h 07 min
